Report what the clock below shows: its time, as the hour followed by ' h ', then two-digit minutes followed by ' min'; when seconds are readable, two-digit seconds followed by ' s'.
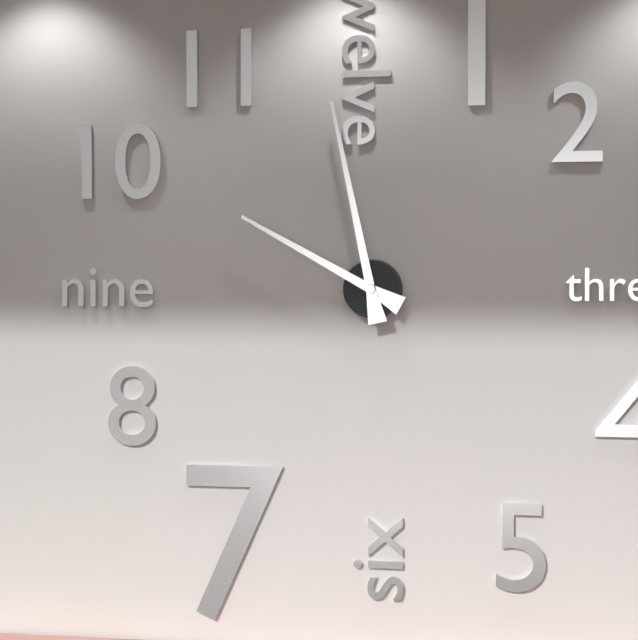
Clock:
9 h 58 min
